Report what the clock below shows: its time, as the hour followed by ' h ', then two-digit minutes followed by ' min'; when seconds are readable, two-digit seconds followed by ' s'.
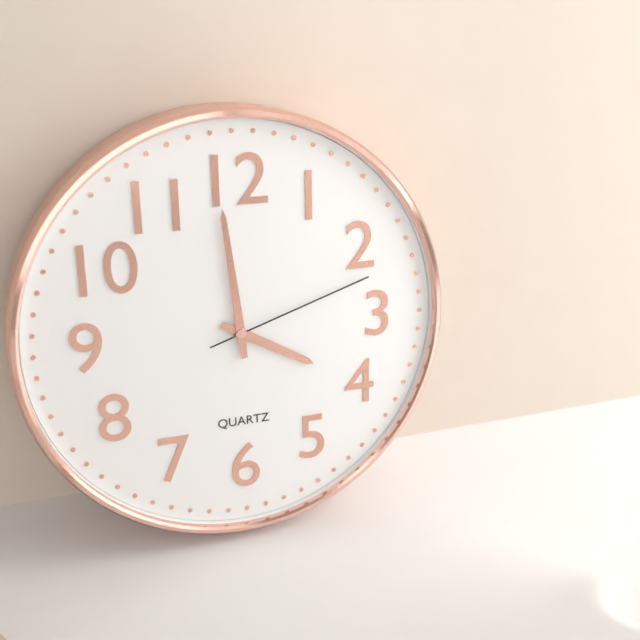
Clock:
3 h 59 min 12 s
